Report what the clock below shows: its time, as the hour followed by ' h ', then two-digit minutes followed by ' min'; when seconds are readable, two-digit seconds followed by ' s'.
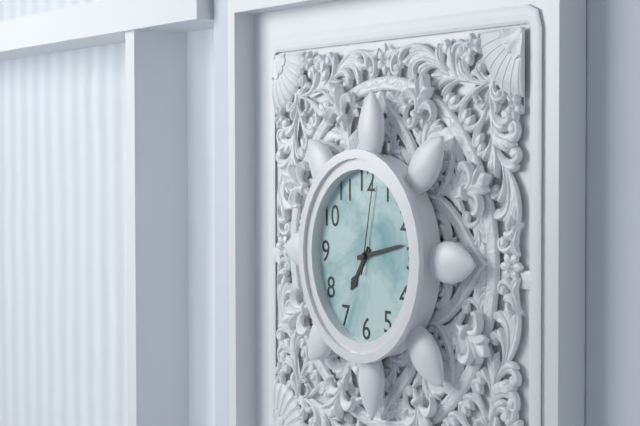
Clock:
7 h 13 min 02 s
